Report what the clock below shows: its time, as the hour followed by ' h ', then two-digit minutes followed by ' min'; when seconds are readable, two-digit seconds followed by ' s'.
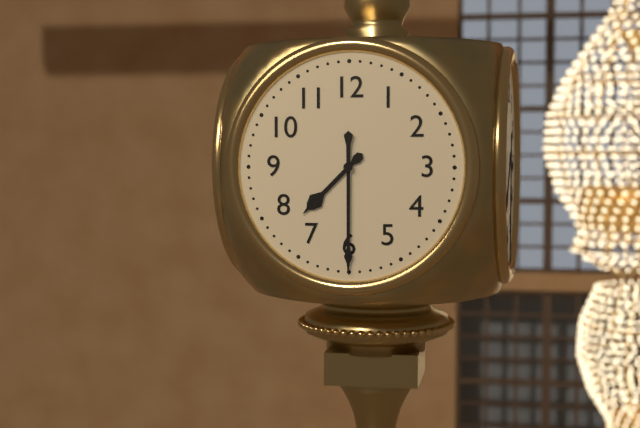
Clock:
7 h 30 min
